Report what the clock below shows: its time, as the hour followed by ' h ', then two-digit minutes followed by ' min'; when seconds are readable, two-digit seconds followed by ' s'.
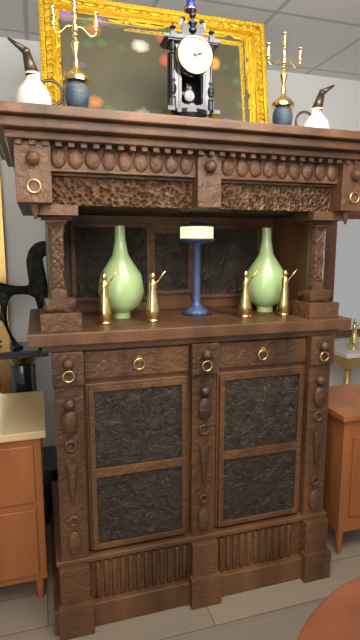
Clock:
2 h 23 min
